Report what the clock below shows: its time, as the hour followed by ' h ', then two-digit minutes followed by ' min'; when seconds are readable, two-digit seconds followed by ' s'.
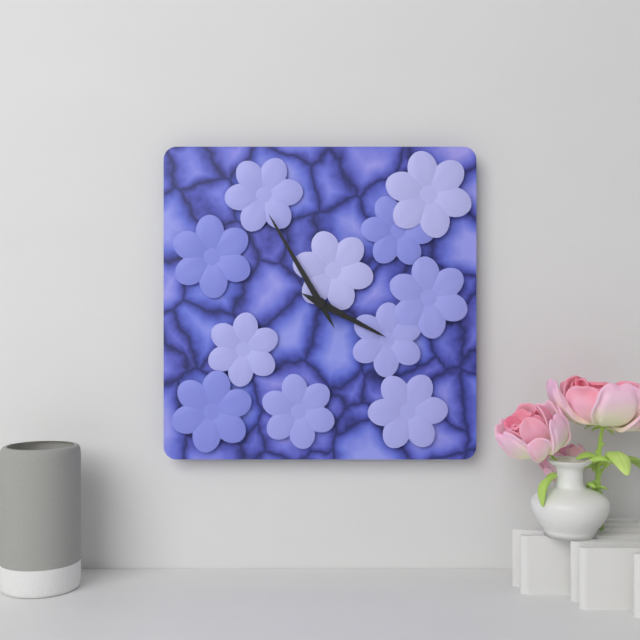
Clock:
3 h 55 min
